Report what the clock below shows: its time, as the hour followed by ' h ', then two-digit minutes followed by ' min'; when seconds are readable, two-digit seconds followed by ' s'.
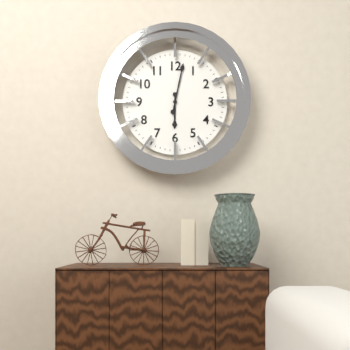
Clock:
6 h 02 min
